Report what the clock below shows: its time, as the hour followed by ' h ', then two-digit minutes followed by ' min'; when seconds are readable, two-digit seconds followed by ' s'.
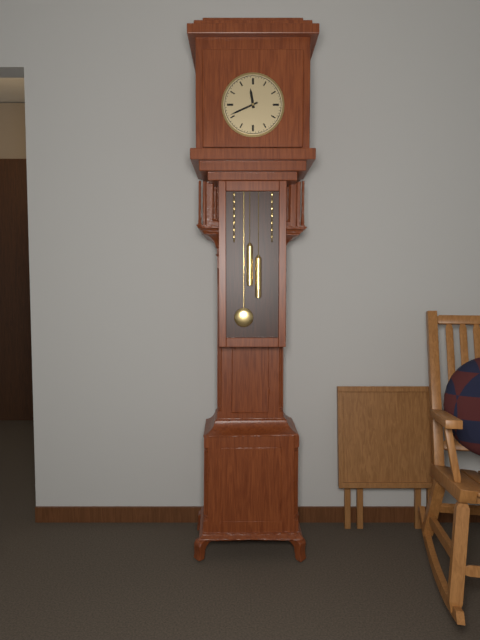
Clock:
11 h 41 min
